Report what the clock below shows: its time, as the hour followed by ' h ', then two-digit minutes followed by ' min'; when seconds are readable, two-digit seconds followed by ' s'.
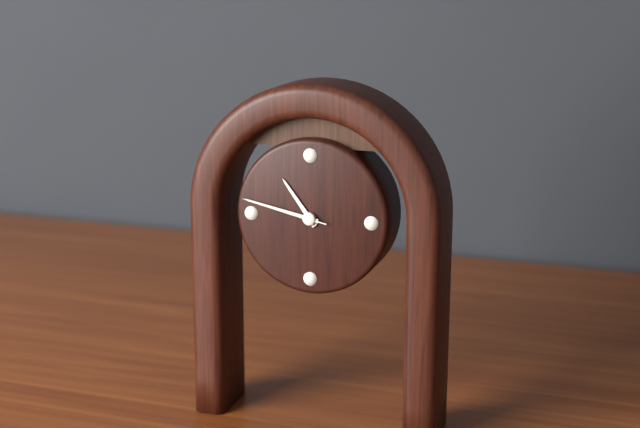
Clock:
10 h 47 min 47 s
